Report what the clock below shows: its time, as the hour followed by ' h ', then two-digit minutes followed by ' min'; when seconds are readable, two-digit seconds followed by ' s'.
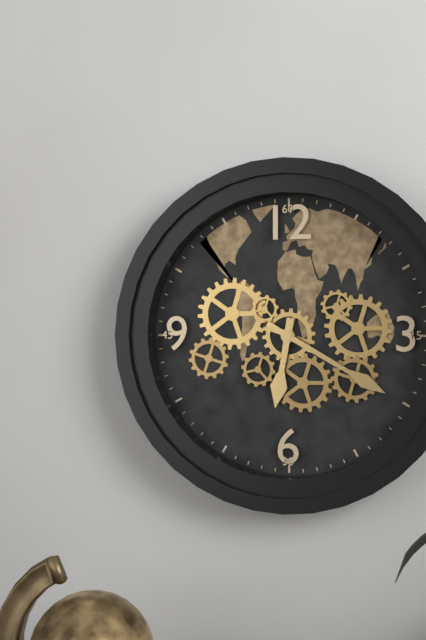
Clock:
6 h 20 min
